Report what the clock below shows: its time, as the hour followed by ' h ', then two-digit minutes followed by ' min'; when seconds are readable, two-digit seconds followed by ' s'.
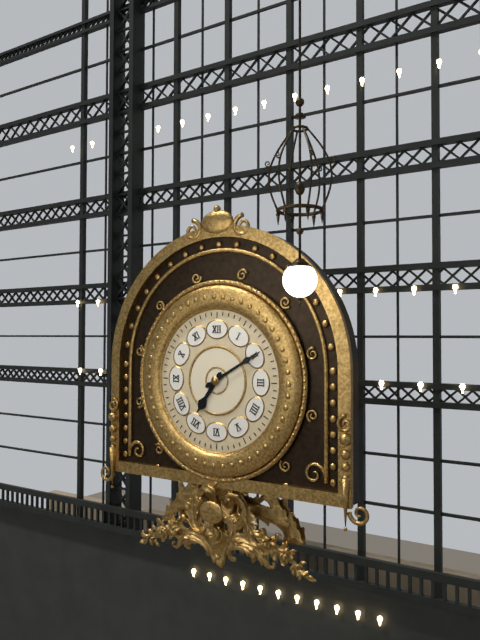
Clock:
7 h 10 min
